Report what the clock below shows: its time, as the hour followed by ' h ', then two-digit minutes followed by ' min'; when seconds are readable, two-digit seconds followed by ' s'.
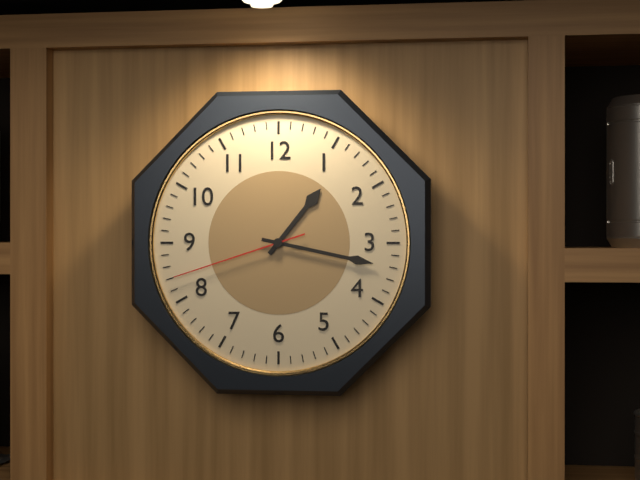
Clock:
1 h 17 min 42 s
